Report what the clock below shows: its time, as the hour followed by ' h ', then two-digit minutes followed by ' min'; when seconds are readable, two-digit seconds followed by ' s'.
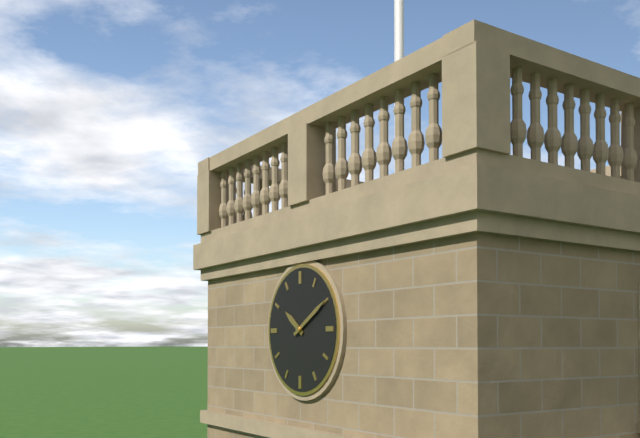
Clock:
10 h 10 min
